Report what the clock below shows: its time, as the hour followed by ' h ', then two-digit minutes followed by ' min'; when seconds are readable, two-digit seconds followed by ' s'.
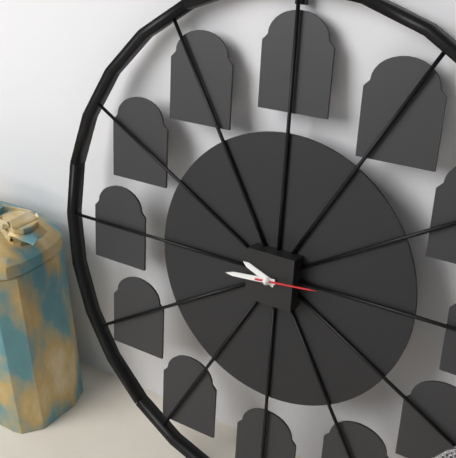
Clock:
9 h 44 min 14 s
